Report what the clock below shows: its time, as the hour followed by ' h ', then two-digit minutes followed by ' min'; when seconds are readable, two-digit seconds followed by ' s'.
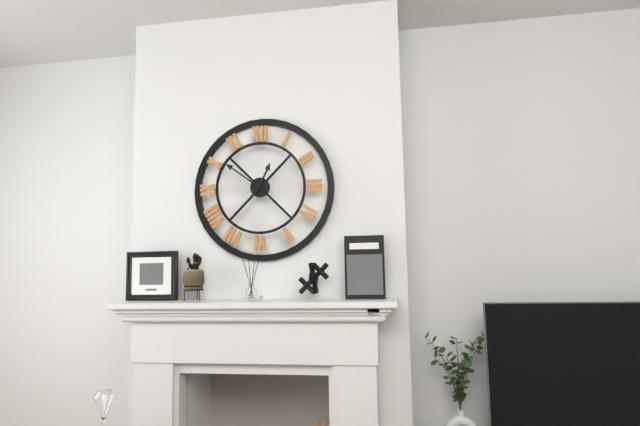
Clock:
12 h 51 min
